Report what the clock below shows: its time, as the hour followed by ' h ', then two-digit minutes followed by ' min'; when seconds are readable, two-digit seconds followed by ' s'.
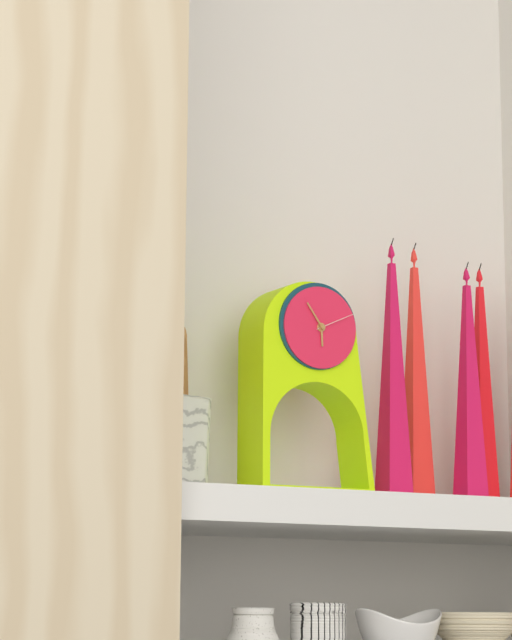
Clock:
5 h 54 min
